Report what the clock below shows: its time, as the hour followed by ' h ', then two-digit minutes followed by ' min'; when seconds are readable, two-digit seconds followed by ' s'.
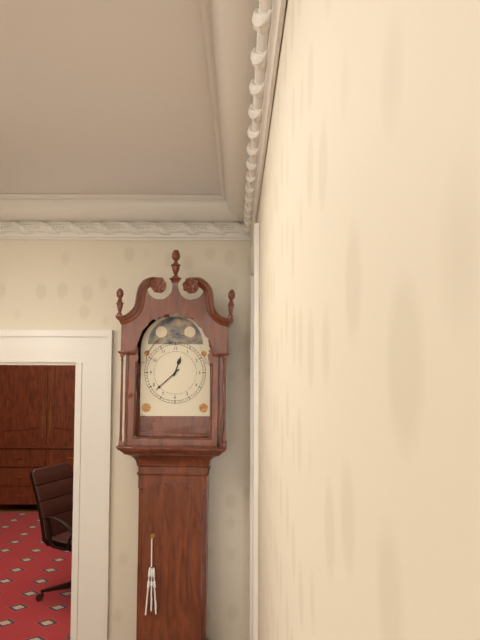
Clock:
12 h 38 min
